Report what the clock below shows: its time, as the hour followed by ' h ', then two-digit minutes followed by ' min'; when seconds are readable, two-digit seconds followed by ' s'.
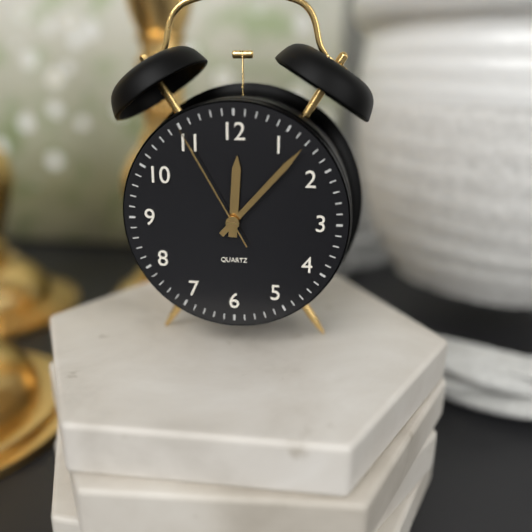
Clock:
12 h 07 min 55 s
